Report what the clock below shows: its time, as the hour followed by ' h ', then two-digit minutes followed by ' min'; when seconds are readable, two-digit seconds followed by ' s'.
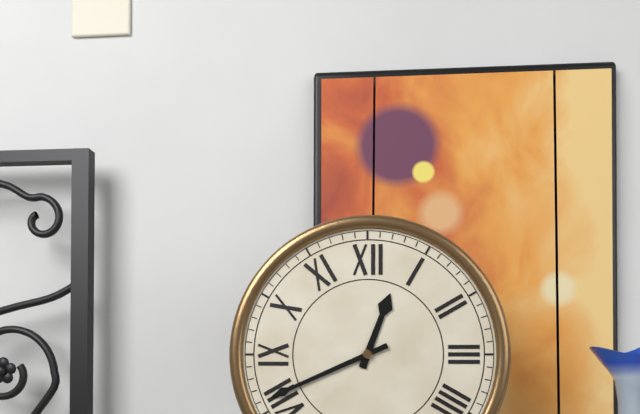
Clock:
12 h 41 min
